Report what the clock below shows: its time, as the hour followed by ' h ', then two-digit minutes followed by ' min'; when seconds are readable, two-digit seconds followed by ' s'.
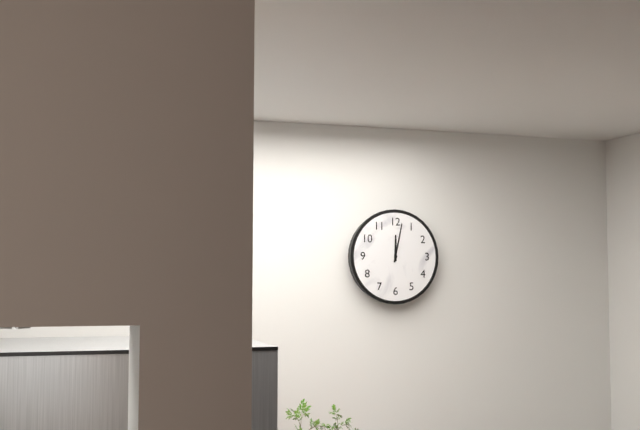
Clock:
12 h 02 min
